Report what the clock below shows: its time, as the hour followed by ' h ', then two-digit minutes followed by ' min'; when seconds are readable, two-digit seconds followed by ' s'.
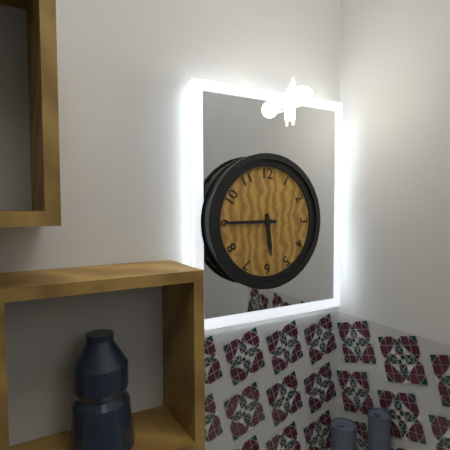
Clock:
5 h 45 min
